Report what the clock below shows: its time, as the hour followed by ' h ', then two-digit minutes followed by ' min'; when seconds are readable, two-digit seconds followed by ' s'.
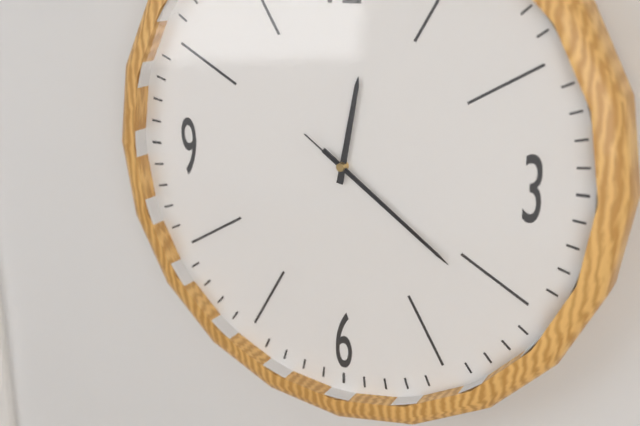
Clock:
12 h 21 min 21 s
